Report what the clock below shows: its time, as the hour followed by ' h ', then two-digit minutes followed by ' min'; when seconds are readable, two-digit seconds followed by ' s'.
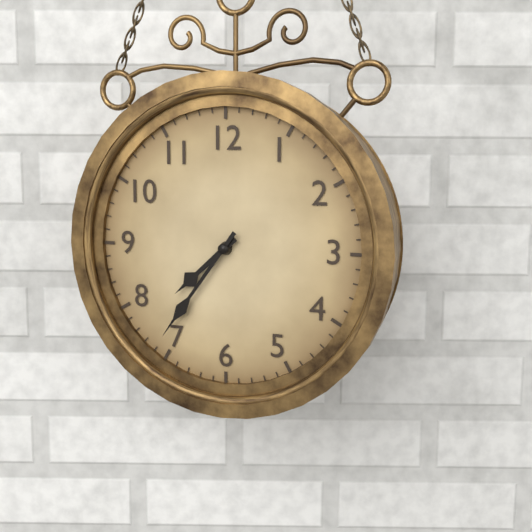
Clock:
7 h 36 min
